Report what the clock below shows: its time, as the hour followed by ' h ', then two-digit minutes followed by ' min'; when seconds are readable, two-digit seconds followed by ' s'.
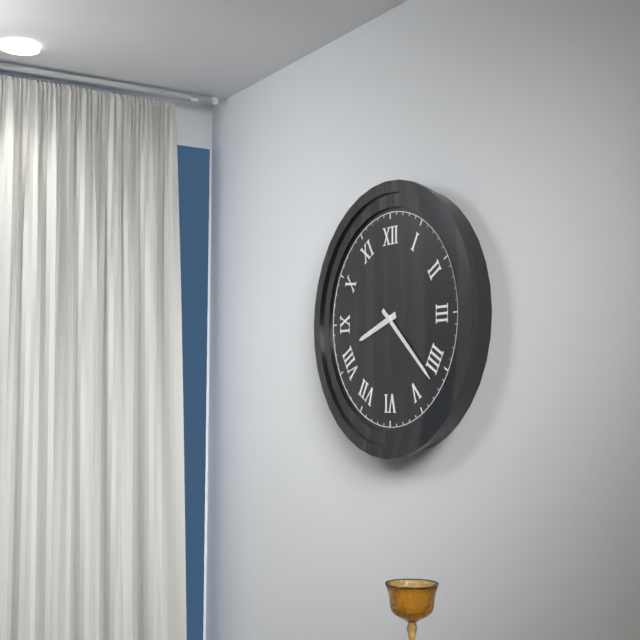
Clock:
8 h 22 min
